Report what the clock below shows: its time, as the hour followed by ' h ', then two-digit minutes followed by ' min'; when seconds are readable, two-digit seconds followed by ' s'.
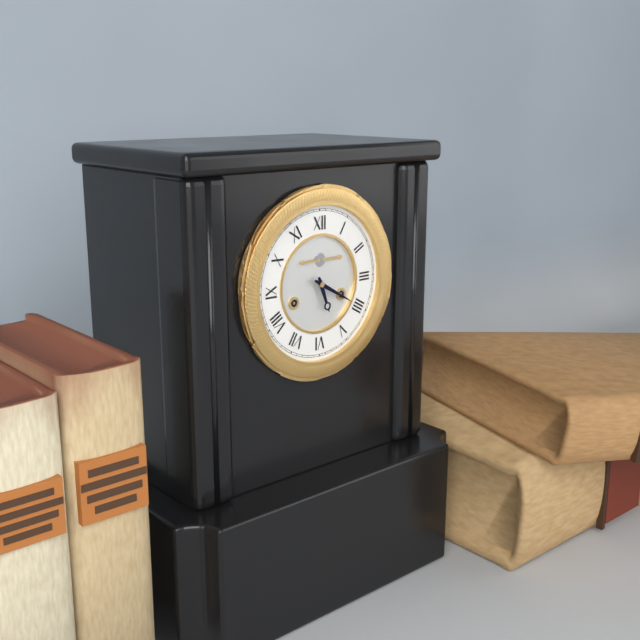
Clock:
5 h 20 min
